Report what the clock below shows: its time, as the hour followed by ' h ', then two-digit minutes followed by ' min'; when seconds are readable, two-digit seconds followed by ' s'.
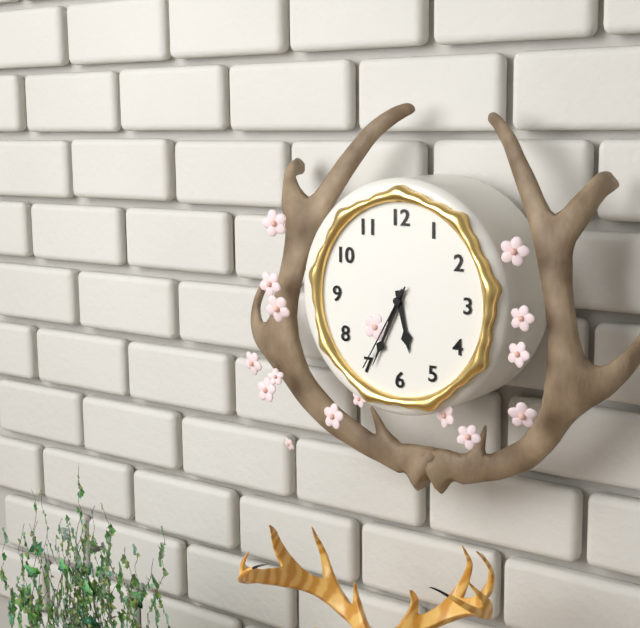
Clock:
5 h 34 min 35 s
